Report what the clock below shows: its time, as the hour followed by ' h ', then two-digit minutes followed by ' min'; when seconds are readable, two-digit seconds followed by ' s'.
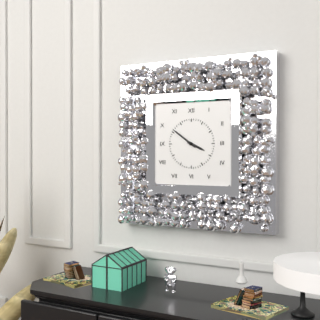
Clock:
3 h 51 min
